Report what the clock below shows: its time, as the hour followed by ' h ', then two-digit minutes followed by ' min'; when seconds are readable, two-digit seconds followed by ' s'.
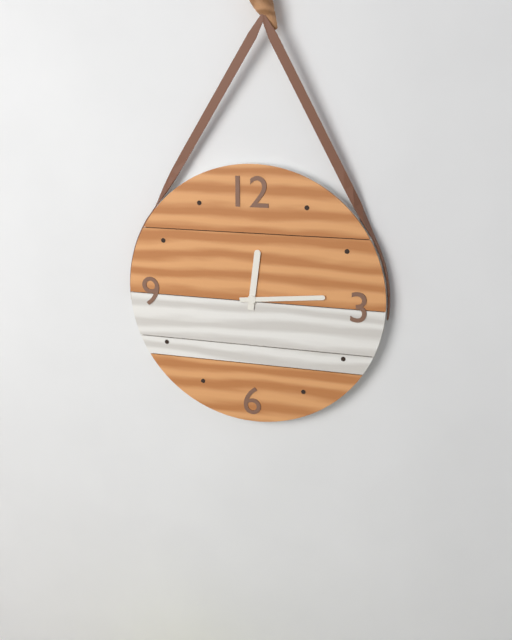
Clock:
12 h 14 min
